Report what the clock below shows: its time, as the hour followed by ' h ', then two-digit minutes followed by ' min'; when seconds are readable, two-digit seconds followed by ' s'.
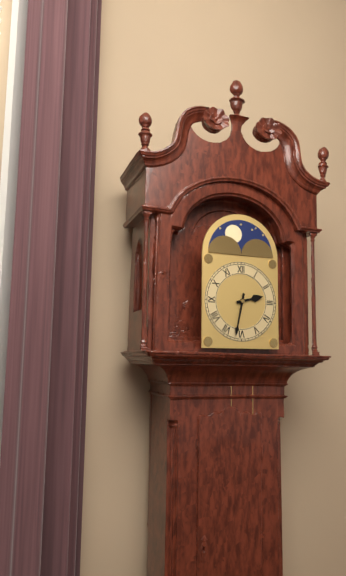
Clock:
2 h 32 min
